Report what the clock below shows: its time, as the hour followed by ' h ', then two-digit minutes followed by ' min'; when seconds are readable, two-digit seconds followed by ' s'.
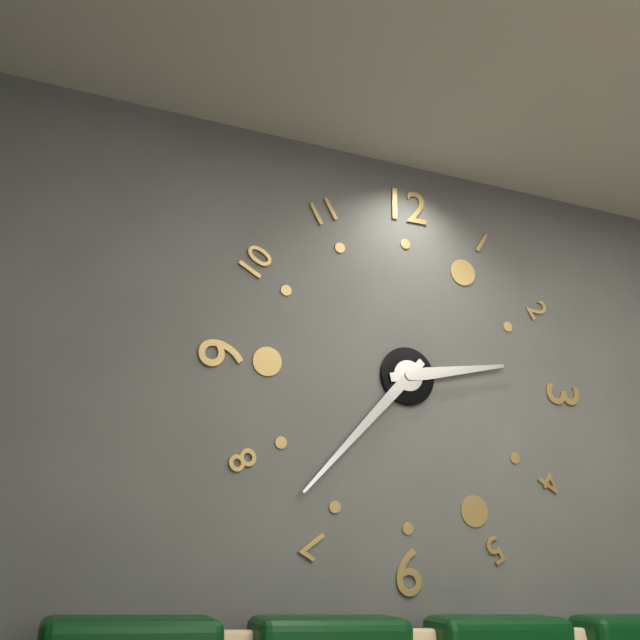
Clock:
2 h 37 min
